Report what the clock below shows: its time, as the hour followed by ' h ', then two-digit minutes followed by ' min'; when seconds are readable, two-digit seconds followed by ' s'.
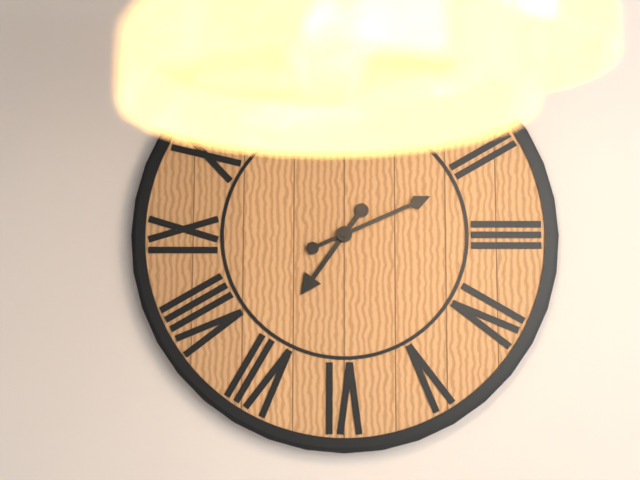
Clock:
7 h 11 min
